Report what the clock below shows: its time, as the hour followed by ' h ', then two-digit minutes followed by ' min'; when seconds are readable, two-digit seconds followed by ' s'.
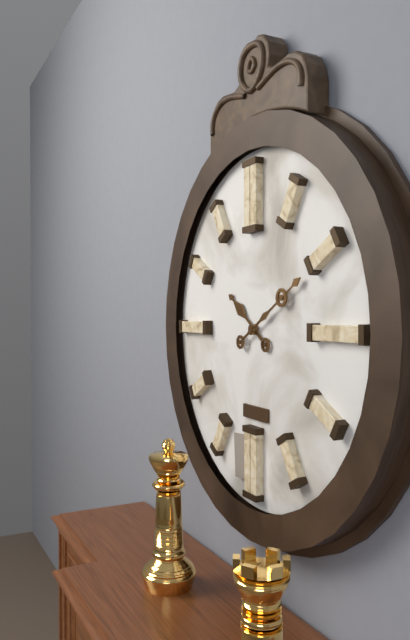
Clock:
10 h 10 min
